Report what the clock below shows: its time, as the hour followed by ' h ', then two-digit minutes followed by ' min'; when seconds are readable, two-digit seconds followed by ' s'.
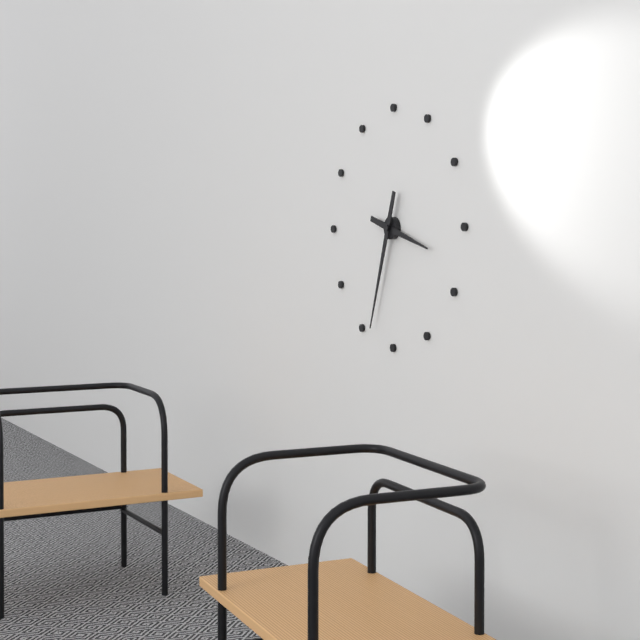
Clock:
3 h 33 min
